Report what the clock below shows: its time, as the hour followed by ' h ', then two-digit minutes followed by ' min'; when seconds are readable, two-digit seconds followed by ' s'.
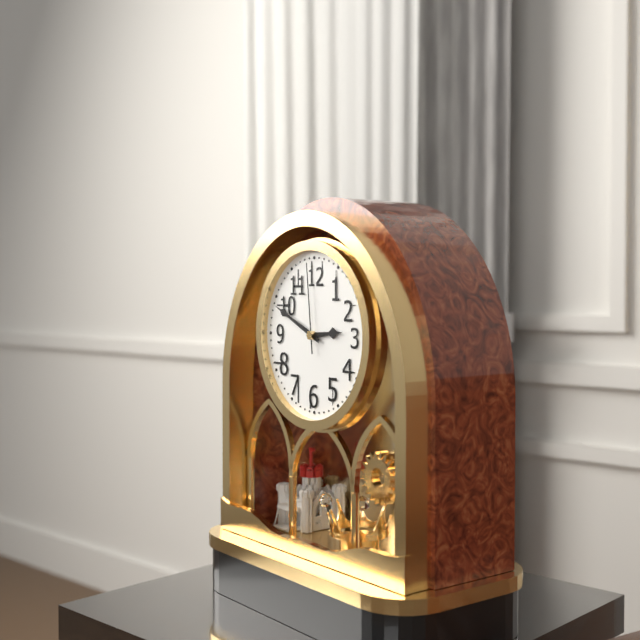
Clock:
2 h 49 min 59 s
